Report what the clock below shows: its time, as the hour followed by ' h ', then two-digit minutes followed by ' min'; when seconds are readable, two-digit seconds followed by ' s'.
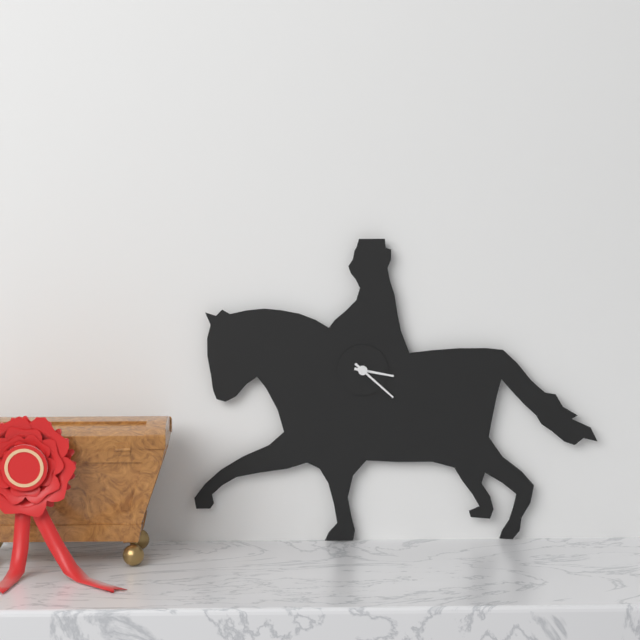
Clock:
3 h 22 min
